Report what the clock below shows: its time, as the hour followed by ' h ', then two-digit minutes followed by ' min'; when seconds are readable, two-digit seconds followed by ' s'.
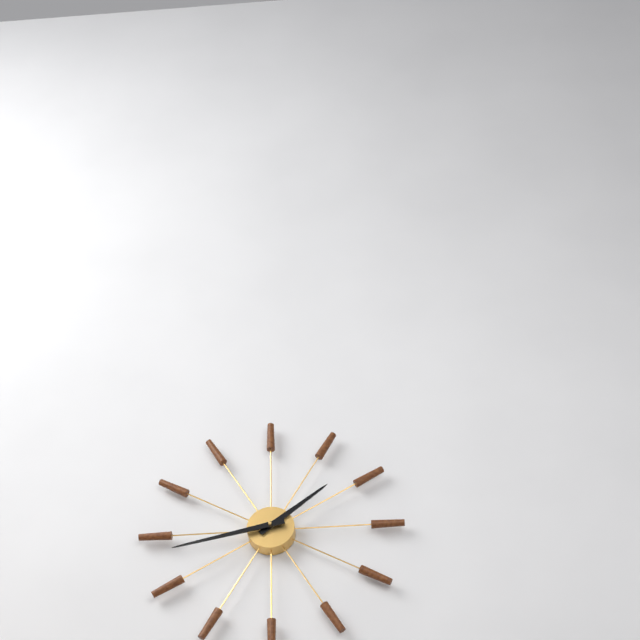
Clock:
1 h 43 min
